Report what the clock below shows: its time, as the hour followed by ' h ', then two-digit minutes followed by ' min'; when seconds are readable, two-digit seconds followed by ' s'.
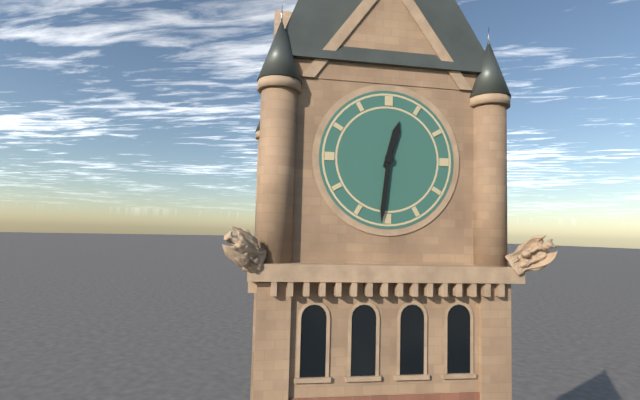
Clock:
12 h 31 min
